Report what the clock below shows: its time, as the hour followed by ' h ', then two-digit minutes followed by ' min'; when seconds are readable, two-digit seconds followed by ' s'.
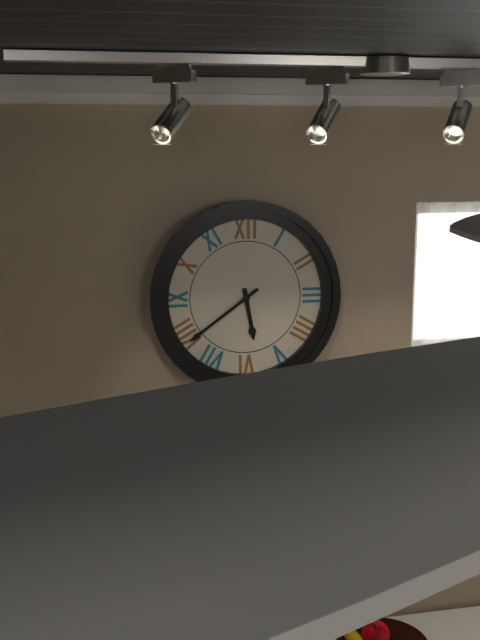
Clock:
5 h 39 min
